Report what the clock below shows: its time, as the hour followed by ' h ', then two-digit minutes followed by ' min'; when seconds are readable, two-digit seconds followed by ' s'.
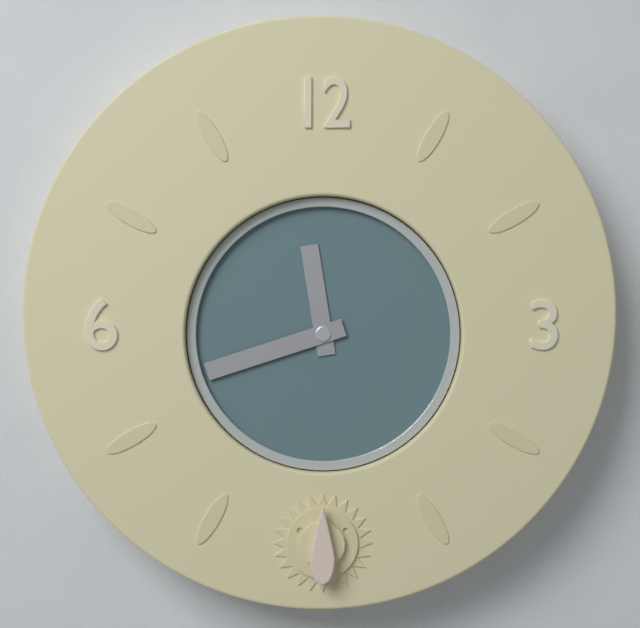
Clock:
11 h 42 min
